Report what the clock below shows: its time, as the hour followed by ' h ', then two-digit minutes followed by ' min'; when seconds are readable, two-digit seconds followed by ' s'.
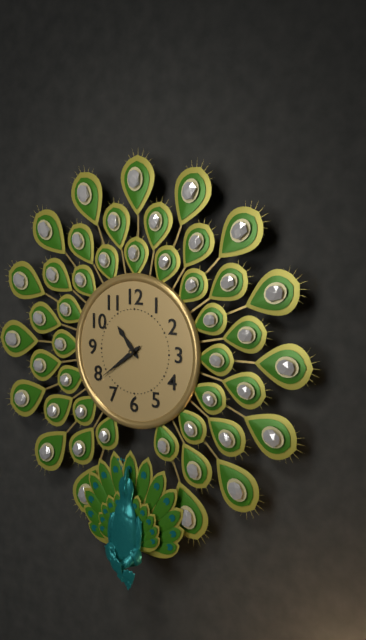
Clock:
10 h 39 min
